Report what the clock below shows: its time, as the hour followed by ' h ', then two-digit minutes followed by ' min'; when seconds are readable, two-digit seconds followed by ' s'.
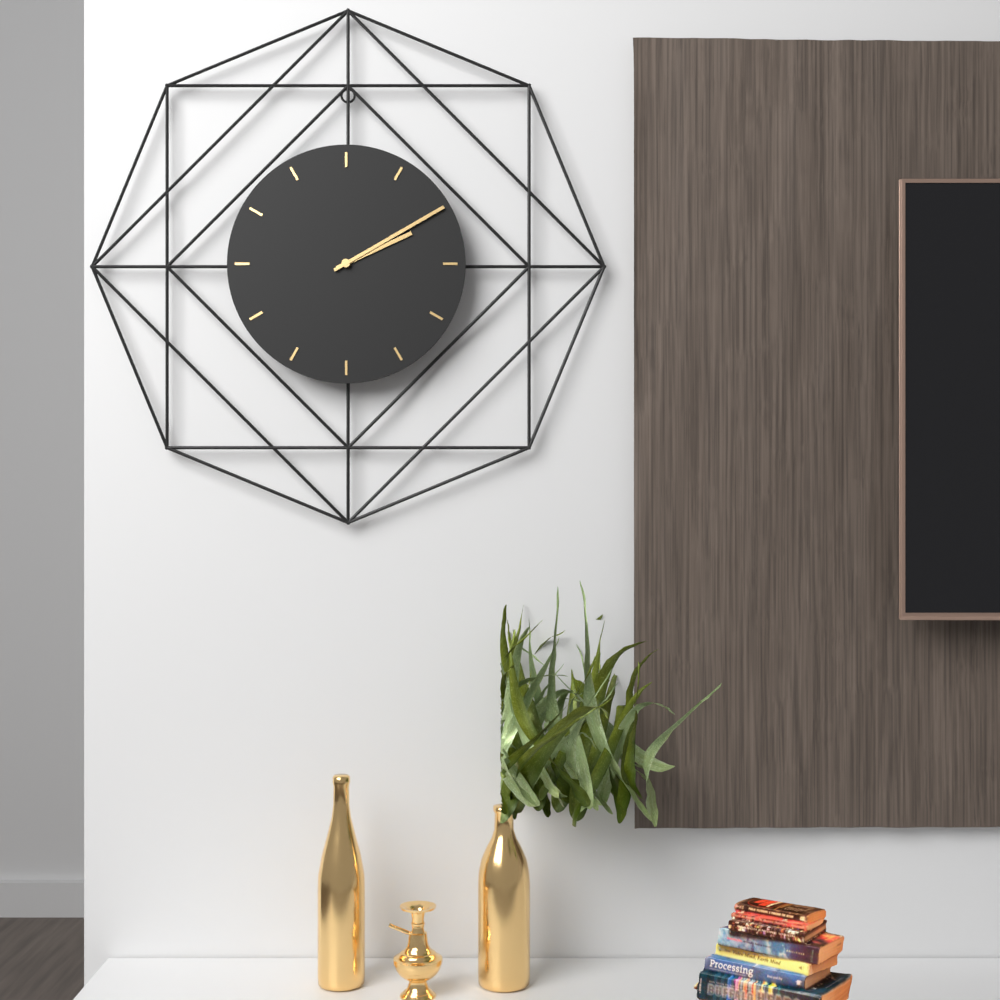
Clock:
2 h 10 min
